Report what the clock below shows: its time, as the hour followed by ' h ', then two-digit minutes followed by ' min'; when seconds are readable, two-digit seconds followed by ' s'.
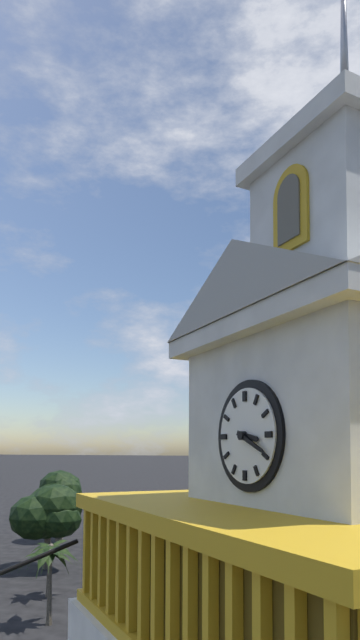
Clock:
3 h 19 min
